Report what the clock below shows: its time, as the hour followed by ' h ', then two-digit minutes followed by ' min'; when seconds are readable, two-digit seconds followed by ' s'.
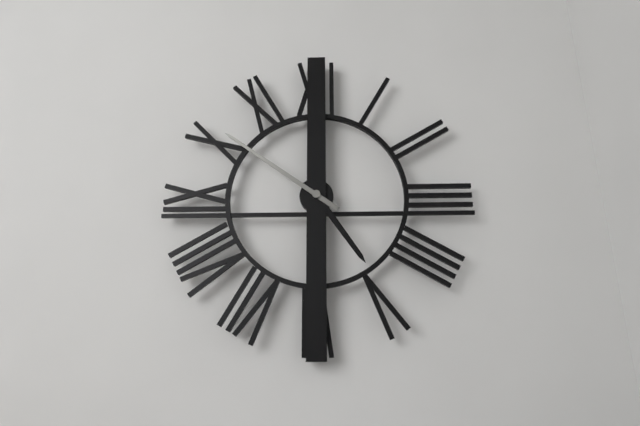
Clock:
4 h 51 min
